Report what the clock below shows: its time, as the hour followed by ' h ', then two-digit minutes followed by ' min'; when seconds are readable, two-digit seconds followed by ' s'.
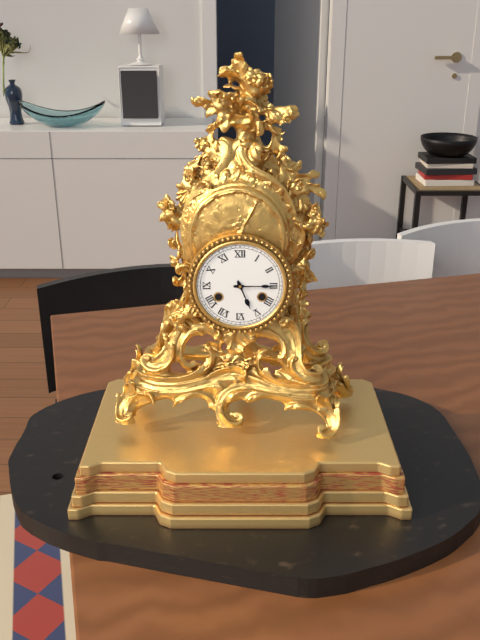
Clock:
5 h 15 min
